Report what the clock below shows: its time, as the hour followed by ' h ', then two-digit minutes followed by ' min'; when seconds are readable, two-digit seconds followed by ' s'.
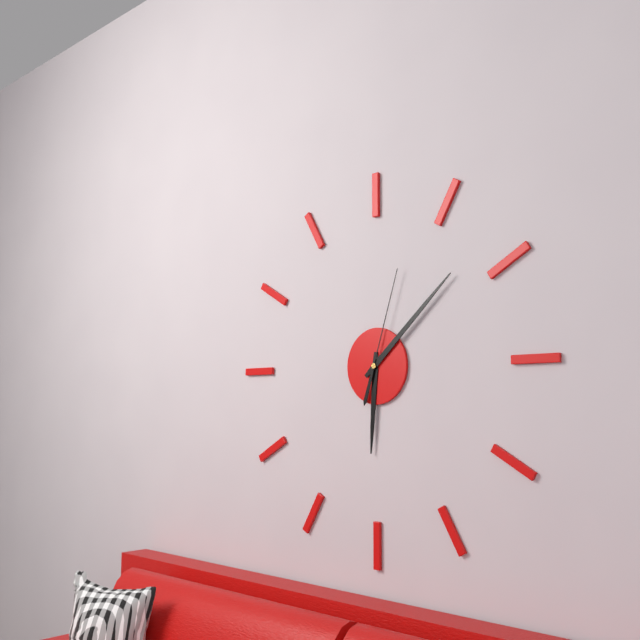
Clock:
6 h 08 min 03 s
